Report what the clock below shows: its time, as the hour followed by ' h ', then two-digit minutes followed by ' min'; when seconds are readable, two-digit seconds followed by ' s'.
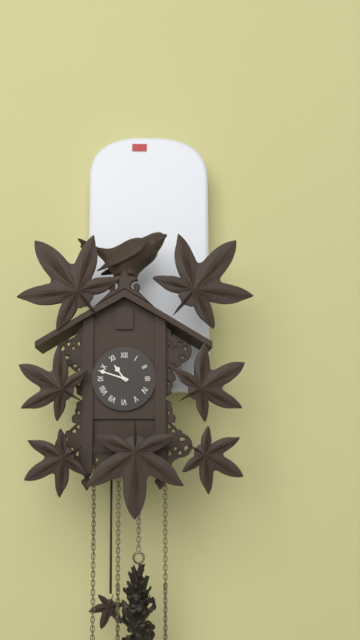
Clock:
10 h 48 min
